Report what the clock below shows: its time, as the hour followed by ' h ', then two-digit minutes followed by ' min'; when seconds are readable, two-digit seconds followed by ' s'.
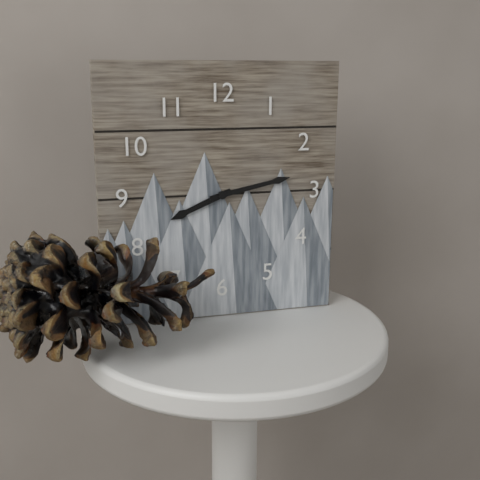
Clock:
8 h 13 min
